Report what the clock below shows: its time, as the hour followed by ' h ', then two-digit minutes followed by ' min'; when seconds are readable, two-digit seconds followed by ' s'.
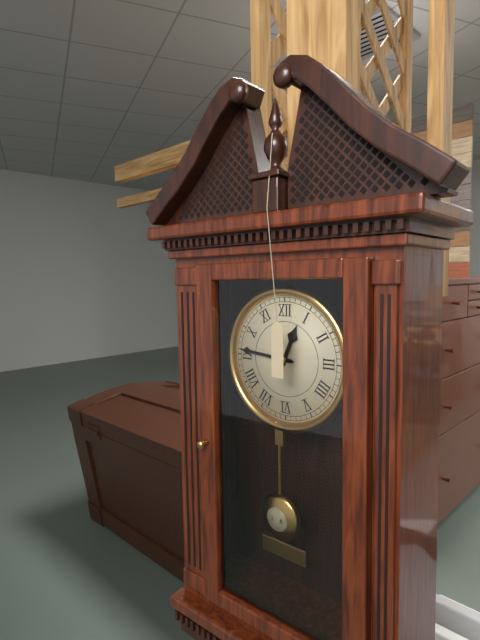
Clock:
12 h 46 min
